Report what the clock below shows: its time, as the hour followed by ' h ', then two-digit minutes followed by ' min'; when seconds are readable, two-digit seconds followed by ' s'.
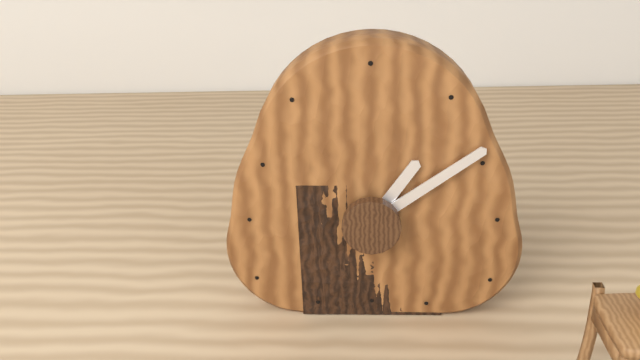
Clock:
1 h 09 min
